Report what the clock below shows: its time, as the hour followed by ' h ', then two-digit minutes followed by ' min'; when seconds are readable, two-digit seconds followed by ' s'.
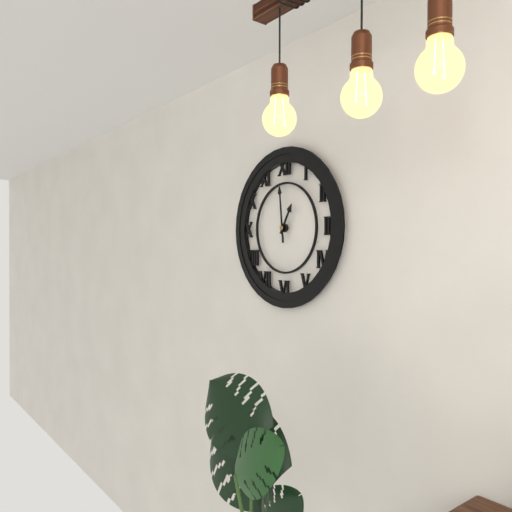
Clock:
12 h 59 min
